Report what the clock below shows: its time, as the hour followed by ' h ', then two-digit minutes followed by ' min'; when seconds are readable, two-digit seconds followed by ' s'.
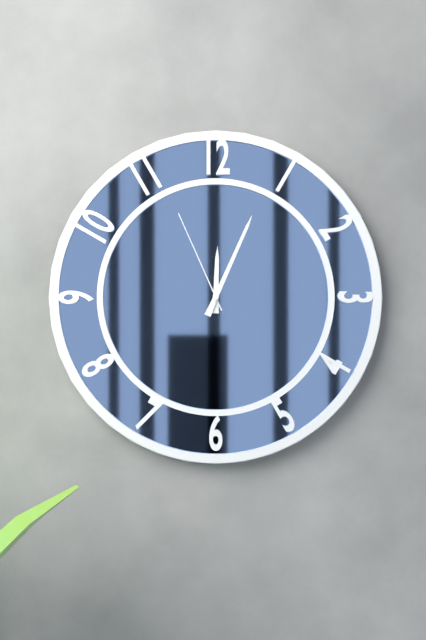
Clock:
12 h 04 min 56 s
